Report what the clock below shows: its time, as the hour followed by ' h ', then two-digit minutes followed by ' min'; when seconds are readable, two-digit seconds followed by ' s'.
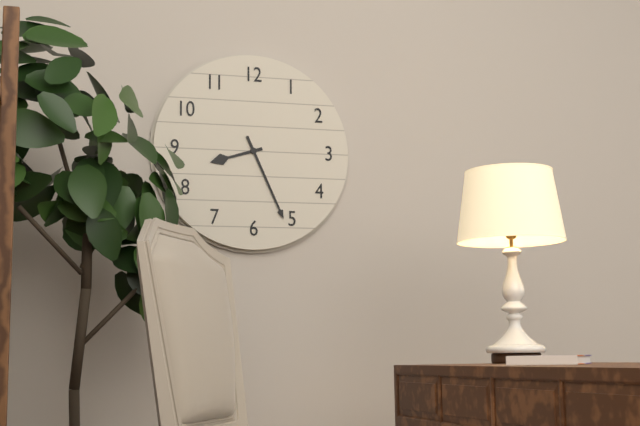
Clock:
8 h 26 min
